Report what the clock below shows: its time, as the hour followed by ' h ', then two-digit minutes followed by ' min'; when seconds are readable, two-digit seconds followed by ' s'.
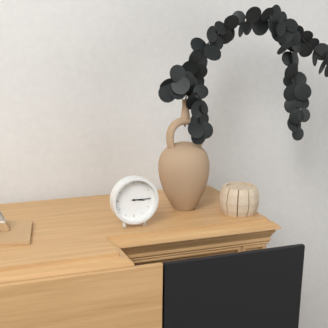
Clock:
3 h 15 min
